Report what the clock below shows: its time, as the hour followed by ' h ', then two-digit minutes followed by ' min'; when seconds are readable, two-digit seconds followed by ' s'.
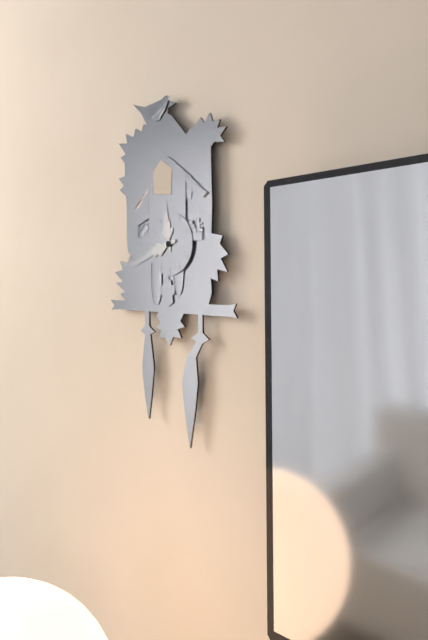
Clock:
11 h 42 min
